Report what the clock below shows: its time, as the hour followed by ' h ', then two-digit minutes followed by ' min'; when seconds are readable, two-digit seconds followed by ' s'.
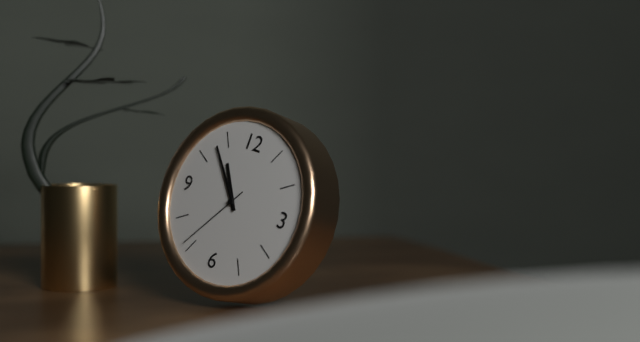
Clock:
10 h 53 min 36 s
